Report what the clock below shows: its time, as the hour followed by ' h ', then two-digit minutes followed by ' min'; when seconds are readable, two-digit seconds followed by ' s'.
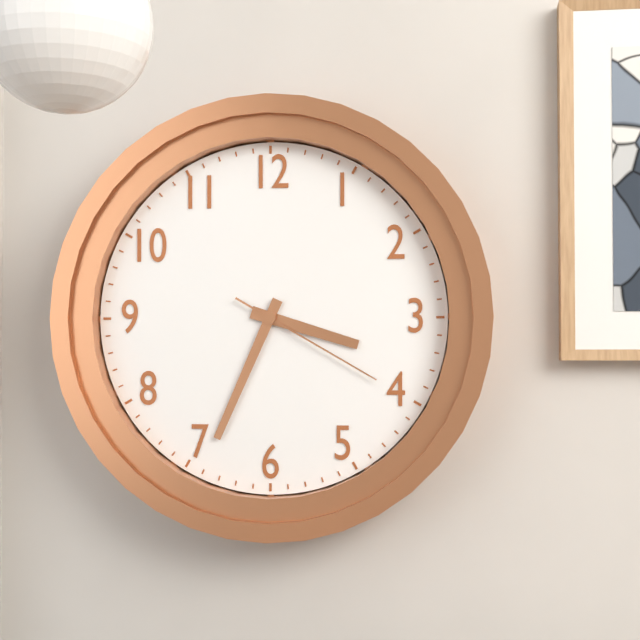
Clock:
3 h 34 min 20 s
